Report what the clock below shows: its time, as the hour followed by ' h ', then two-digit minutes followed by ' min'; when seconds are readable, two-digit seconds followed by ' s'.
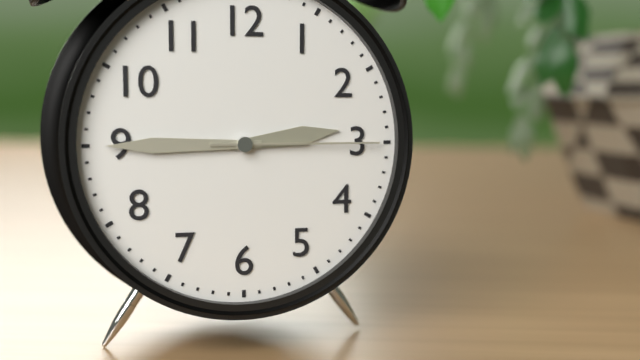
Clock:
2 h 45 min 15 s
